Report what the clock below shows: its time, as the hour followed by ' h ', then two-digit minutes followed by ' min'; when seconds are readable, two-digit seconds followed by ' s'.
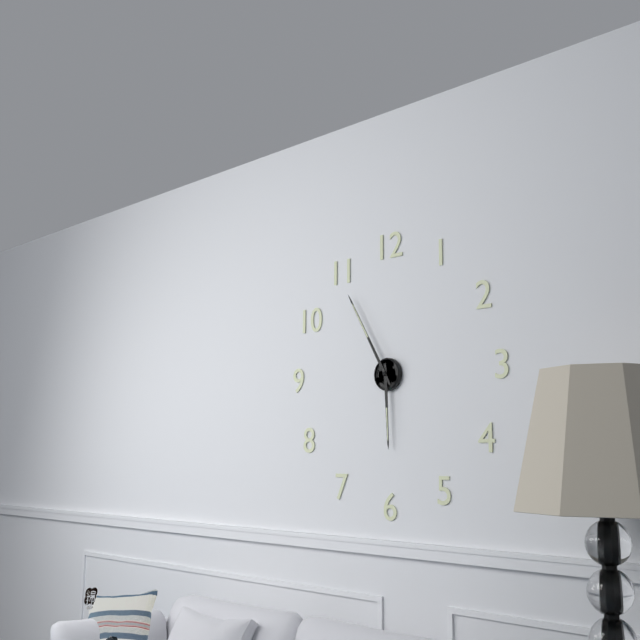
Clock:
5 h 55 min
